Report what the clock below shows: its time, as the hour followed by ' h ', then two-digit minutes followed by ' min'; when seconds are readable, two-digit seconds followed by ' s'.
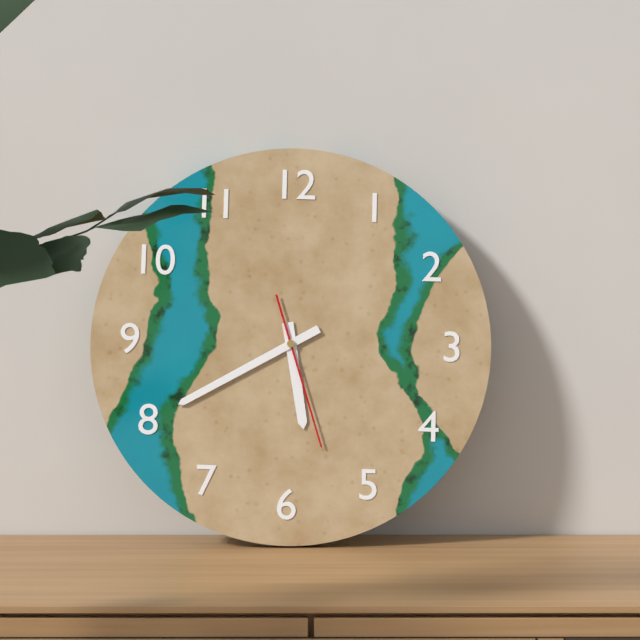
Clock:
5 h 40 min 27 s
